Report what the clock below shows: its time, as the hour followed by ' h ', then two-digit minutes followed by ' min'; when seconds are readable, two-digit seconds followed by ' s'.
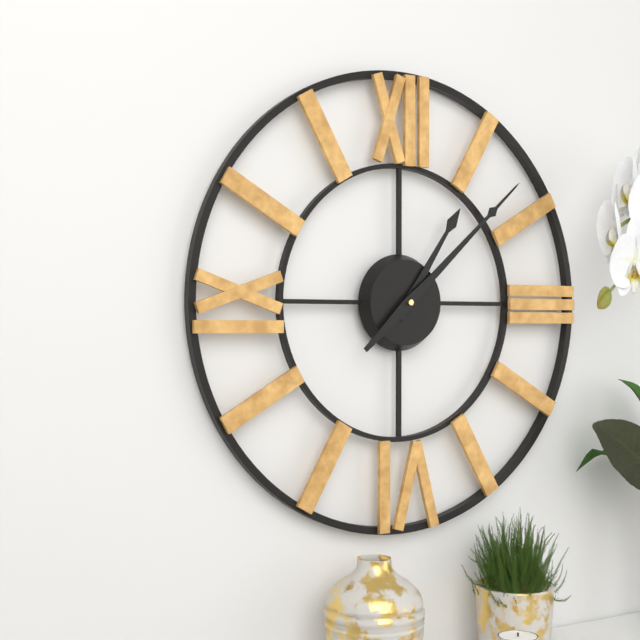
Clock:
1 h 08 min
